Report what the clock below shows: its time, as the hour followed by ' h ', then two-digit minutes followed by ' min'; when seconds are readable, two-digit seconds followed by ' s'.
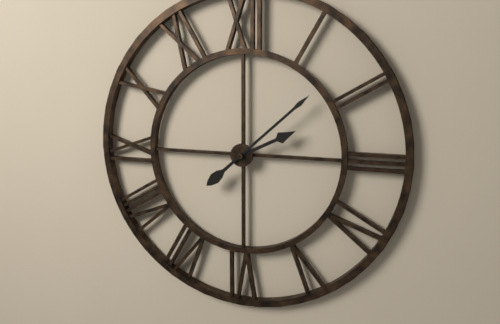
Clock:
2 h 08 min
